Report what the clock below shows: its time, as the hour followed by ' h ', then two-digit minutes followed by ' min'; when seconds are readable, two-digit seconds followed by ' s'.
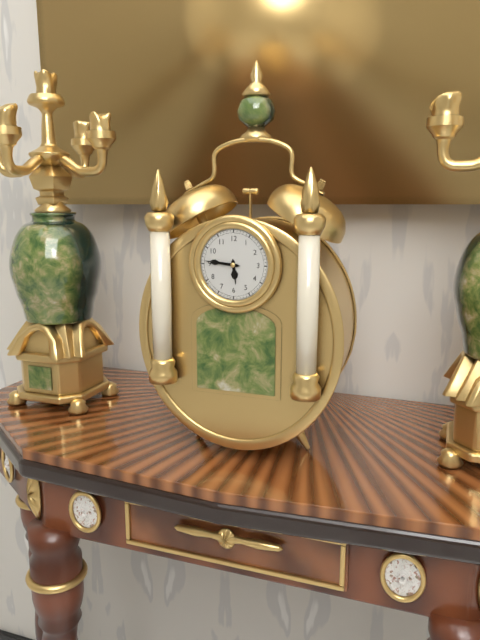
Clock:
5 h 46 min
